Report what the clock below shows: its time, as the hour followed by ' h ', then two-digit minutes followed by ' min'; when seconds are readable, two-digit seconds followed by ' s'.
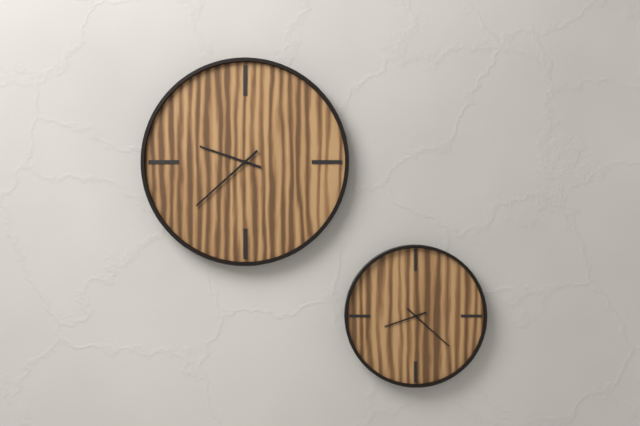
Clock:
9 h 38 min
